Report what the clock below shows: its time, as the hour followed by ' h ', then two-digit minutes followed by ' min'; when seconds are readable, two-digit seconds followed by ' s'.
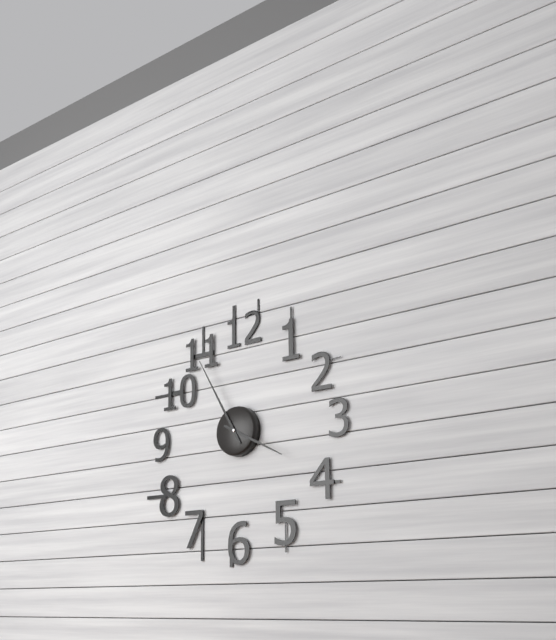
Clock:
3 h 55 min
